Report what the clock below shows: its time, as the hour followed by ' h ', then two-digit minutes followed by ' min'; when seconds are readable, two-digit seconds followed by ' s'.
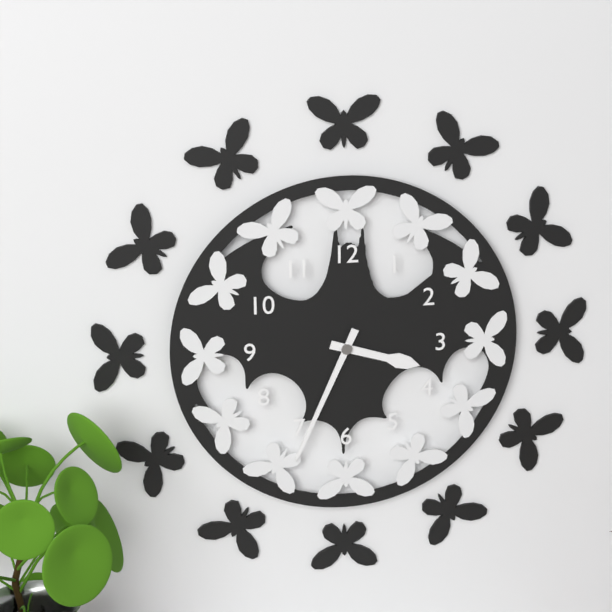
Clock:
3 h 34 min
